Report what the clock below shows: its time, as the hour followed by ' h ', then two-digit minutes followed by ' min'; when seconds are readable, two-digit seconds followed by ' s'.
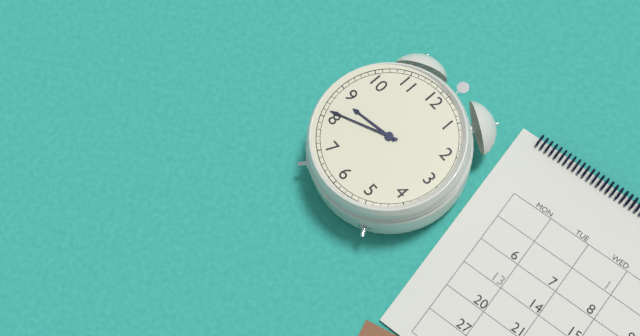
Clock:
8 h 41 min
